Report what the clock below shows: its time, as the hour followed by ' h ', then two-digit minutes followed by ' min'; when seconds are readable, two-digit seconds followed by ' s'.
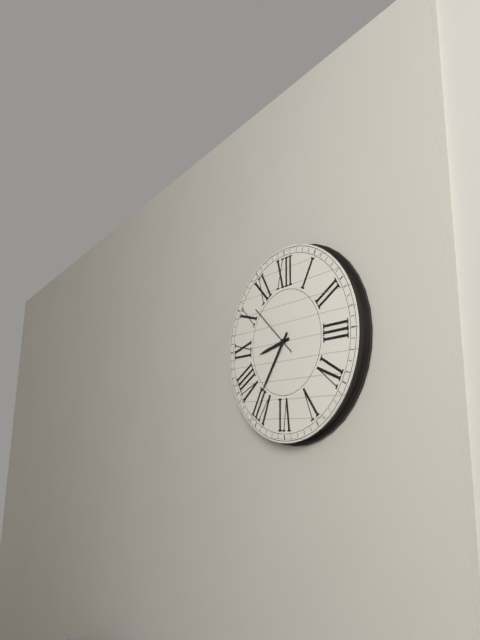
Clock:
8 h 36 min 52 s
